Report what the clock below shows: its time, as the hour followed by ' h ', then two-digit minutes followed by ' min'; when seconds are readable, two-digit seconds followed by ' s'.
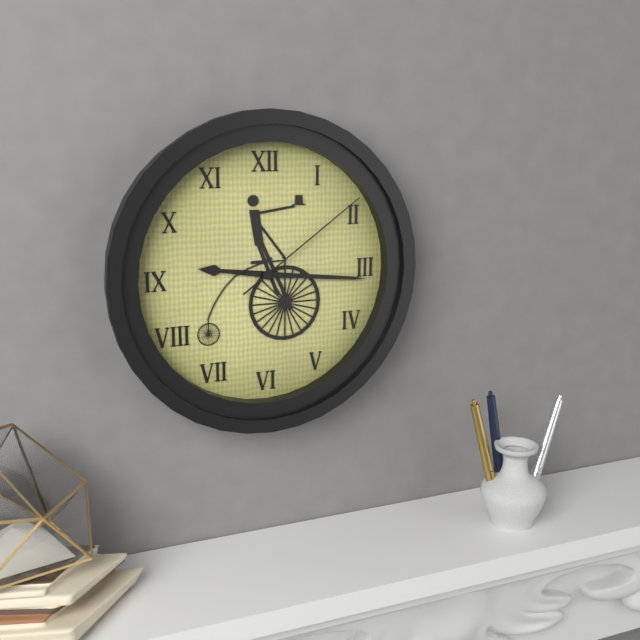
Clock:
9 h 16 min 09 s
